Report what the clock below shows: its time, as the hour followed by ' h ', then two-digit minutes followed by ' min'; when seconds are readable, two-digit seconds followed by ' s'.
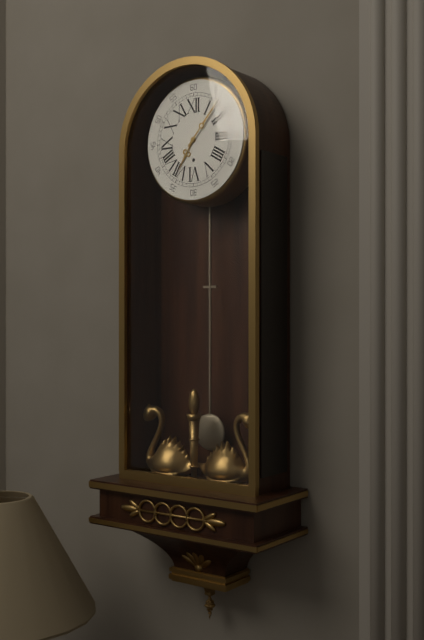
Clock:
7 h 07 min
